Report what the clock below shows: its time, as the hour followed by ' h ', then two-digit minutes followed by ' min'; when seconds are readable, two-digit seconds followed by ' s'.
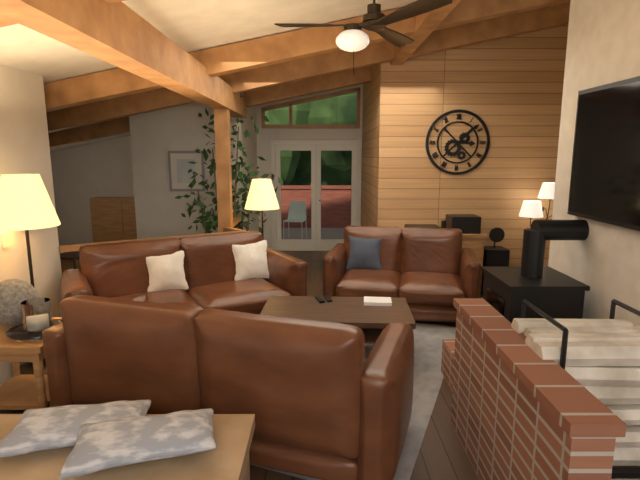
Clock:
3 h 08 min
